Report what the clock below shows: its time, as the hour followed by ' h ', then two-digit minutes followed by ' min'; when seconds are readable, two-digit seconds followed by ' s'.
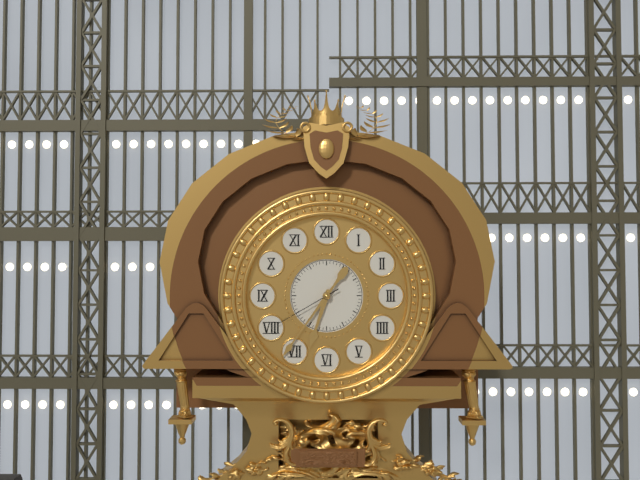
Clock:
6 h 36 min 40 s
